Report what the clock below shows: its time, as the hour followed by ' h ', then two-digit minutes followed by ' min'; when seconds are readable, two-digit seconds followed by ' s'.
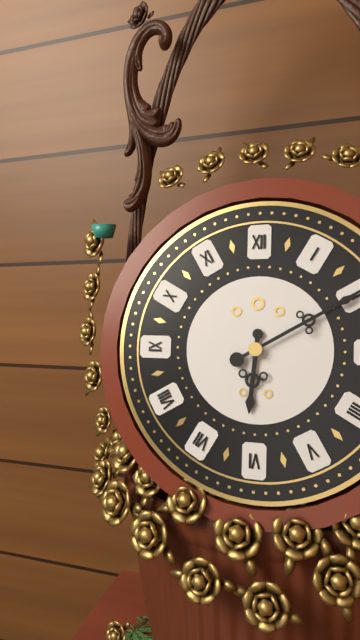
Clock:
6 h 10 min
